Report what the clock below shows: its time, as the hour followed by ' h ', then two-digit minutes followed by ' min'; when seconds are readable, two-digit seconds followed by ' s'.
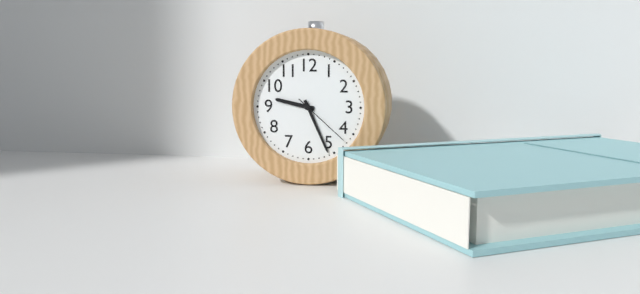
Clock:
9 h 26 min 22 s
